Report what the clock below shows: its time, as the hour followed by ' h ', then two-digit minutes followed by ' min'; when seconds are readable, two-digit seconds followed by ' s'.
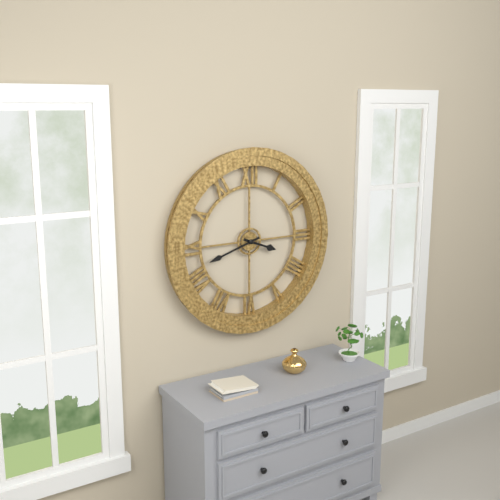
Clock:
3 h 42 min
